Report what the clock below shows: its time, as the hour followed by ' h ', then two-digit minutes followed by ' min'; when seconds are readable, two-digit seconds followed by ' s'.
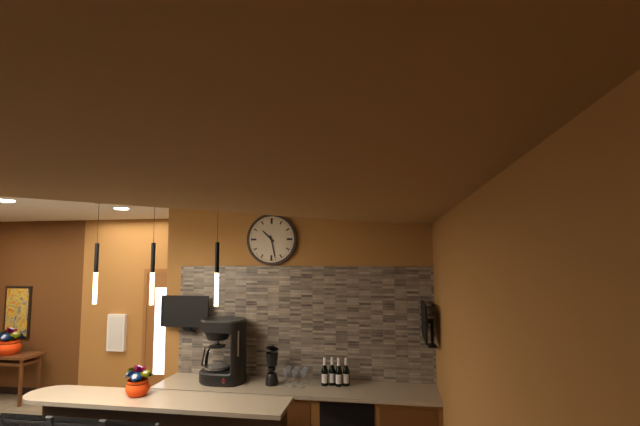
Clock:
10 h 28 min
